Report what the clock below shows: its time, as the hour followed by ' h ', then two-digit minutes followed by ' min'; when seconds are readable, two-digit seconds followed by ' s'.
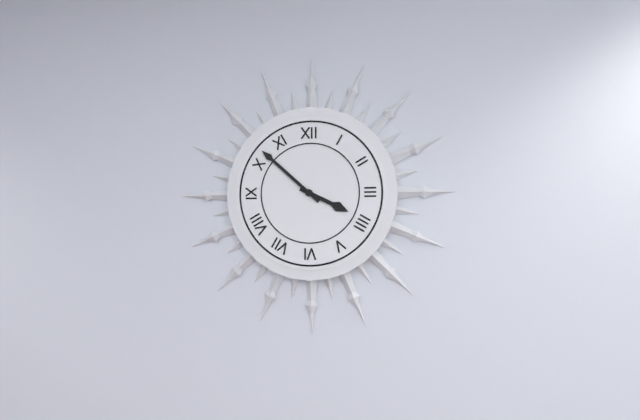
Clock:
3 h 52 min
